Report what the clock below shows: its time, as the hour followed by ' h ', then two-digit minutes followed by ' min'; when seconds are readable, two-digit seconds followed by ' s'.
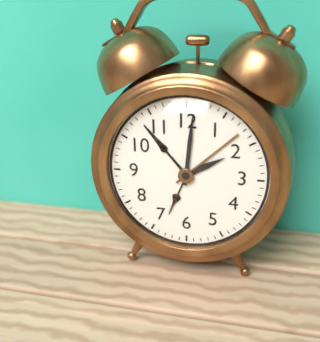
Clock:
2 h 01 min
